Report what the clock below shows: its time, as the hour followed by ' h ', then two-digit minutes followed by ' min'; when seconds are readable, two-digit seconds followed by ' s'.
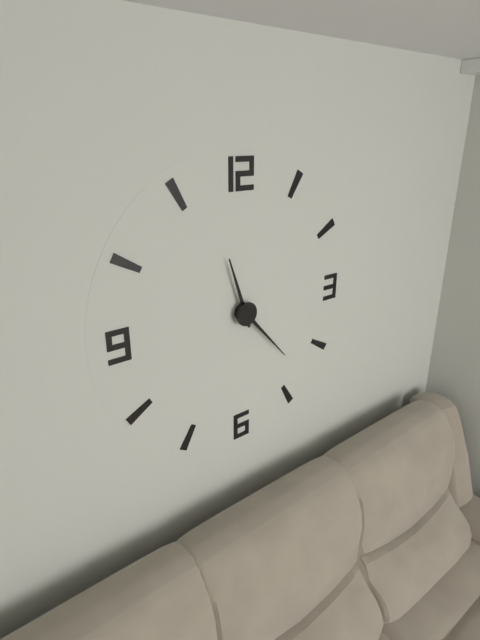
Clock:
11 h 23 min
